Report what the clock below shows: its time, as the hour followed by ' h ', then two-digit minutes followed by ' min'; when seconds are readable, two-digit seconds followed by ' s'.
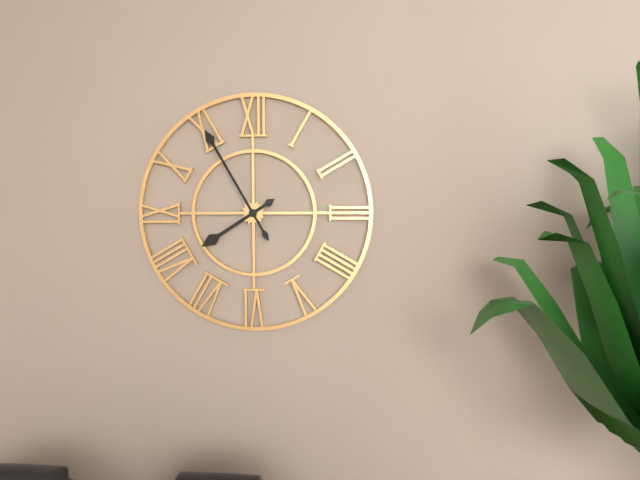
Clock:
7 h 55 min
